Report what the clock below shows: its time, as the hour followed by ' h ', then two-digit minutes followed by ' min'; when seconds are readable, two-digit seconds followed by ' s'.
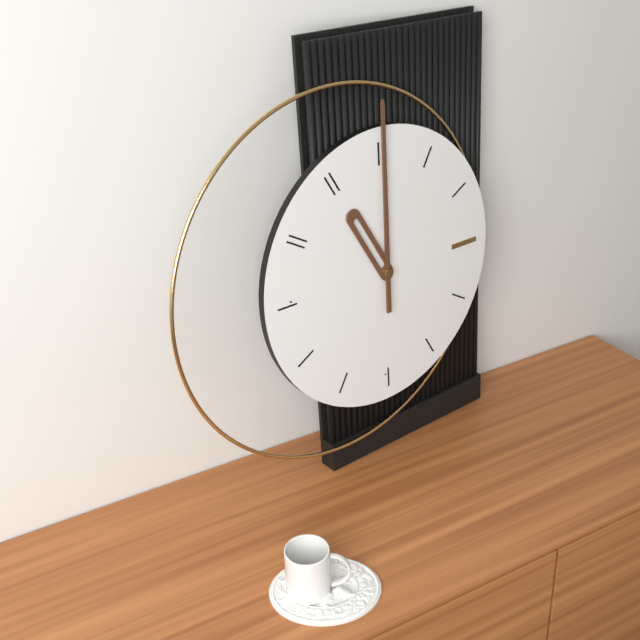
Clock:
11 h 00 min
